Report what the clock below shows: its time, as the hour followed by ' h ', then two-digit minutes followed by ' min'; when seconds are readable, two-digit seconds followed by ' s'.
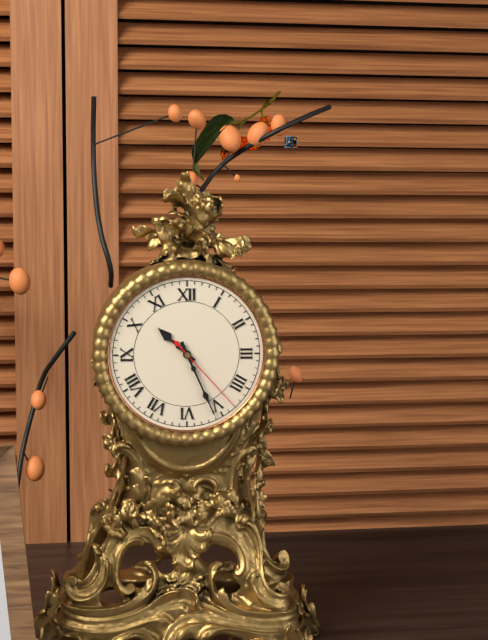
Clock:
10 h 26 min 23 s
